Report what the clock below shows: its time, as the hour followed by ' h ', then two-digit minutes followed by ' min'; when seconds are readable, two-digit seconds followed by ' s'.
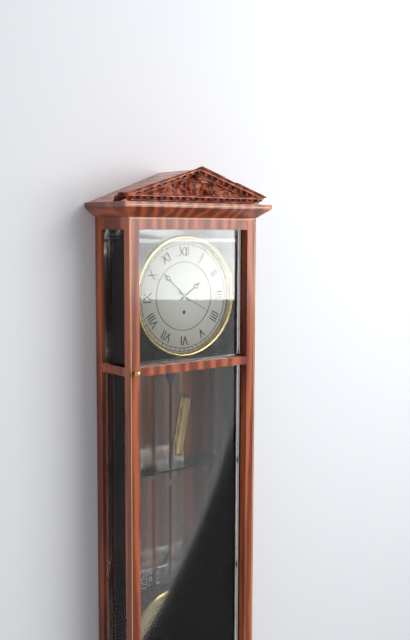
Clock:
1 h 52 min 20 s
